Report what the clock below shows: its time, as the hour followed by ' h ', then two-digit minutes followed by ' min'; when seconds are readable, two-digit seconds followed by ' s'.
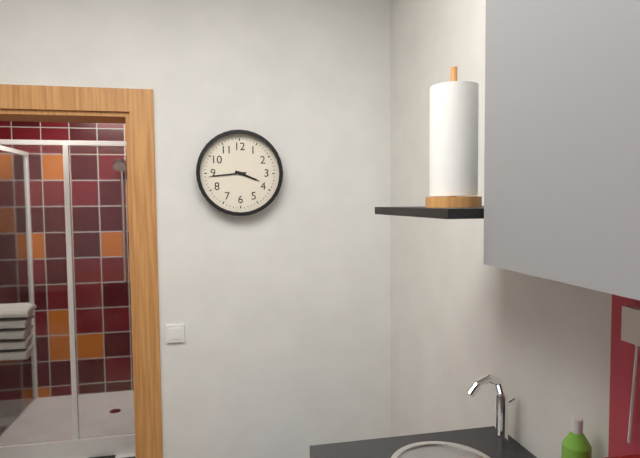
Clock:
3 h 44 min
